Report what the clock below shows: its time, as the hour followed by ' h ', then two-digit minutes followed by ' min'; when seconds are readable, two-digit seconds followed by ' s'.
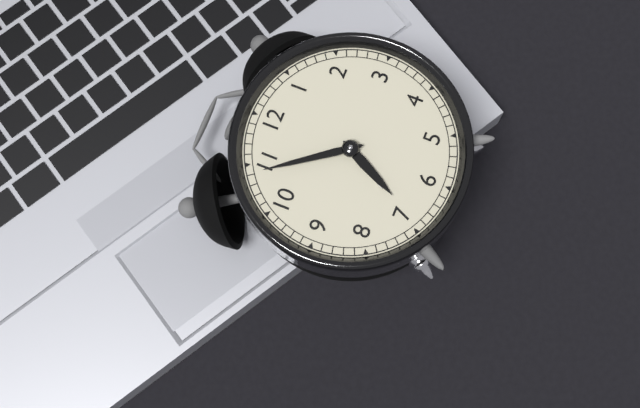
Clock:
6 h 54 min
